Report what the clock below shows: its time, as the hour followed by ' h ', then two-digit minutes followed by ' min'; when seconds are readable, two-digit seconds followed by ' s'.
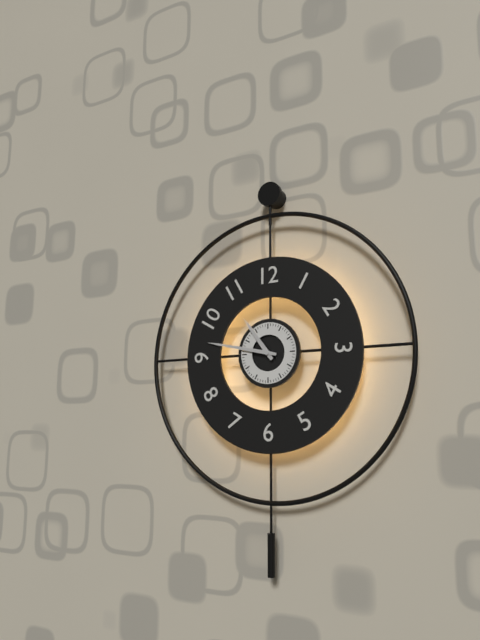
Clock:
10 h 47 min
